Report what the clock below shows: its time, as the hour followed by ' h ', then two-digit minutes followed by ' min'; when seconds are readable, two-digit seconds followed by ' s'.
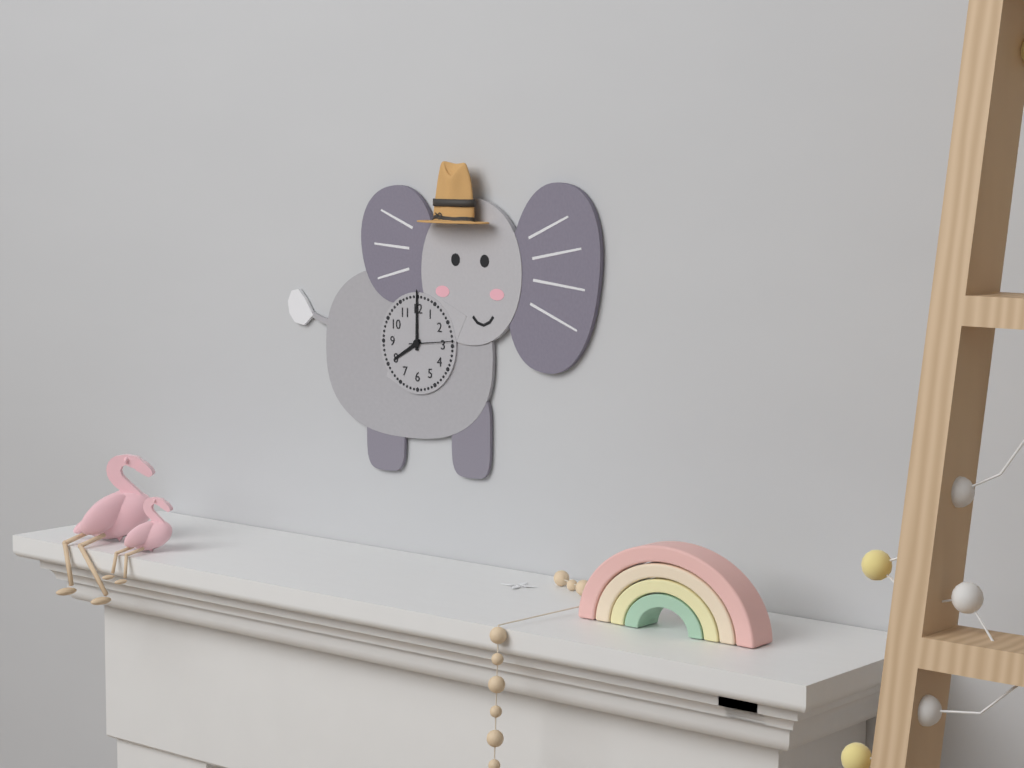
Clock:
8 h 00 min
